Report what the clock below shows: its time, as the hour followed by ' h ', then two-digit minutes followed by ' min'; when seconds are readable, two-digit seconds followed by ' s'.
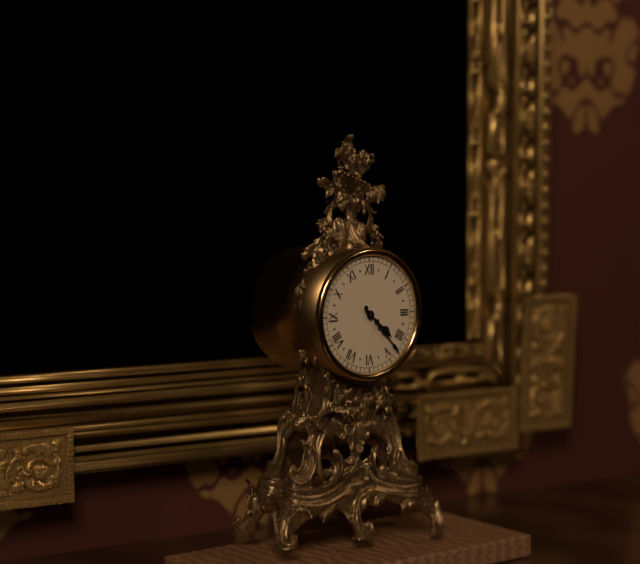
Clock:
4 h 23 min
